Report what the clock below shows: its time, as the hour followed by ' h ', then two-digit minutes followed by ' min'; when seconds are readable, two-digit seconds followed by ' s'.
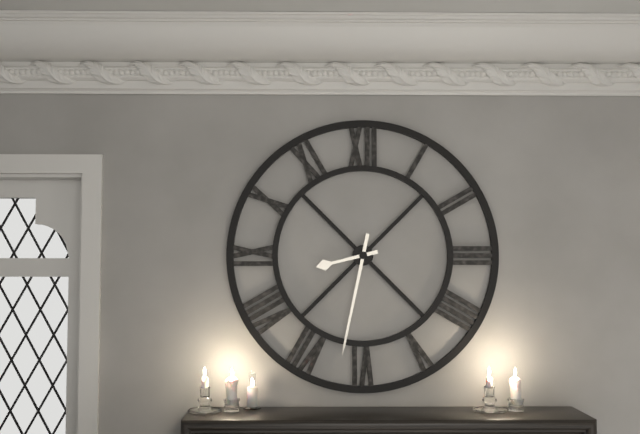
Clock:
8 h 32 min
